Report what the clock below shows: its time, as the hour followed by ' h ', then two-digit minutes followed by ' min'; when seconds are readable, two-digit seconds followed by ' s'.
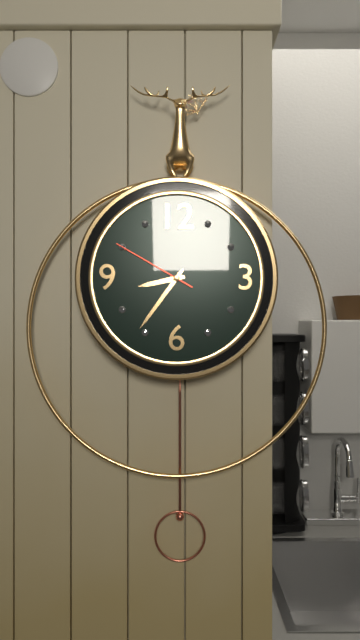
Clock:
8 h 36 min 50 s
